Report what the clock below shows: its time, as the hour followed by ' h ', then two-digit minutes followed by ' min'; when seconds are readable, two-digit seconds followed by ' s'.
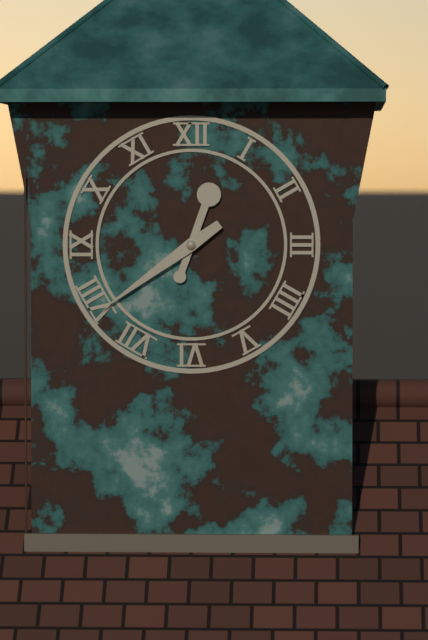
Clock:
12 h 39 min
